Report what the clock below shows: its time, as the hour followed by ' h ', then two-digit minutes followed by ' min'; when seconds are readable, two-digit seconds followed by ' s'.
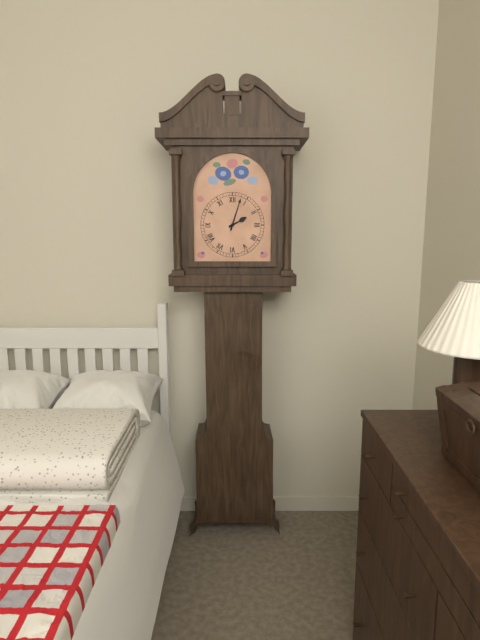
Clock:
2 h 03 min
